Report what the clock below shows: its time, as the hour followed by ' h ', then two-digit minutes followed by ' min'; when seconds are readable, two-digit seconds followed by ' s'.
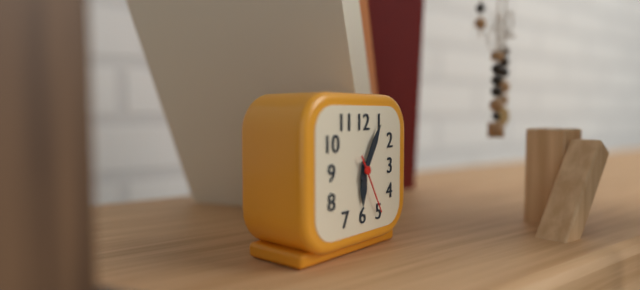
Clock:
6 h 05 min 25 s
